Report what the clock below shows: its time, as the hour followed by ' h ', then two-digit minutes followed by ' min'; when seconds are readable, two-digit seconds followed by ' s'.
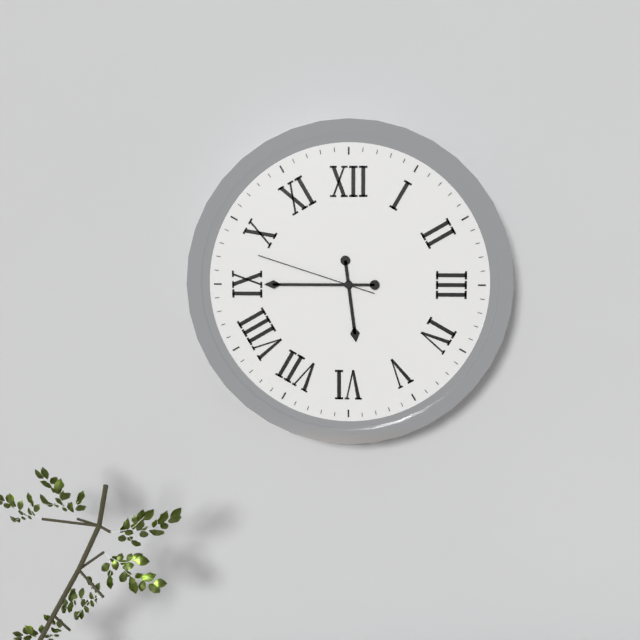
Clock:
5 h 45 min 48 s
